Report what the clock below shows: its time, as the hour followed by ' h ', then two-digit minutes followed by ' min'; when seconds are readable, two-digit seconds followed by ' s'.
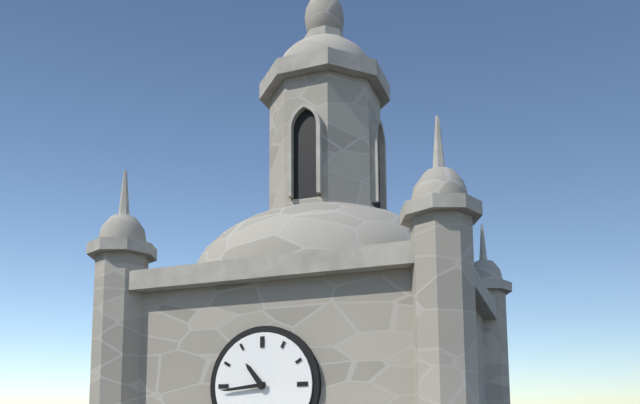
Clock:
10 h 44 min
